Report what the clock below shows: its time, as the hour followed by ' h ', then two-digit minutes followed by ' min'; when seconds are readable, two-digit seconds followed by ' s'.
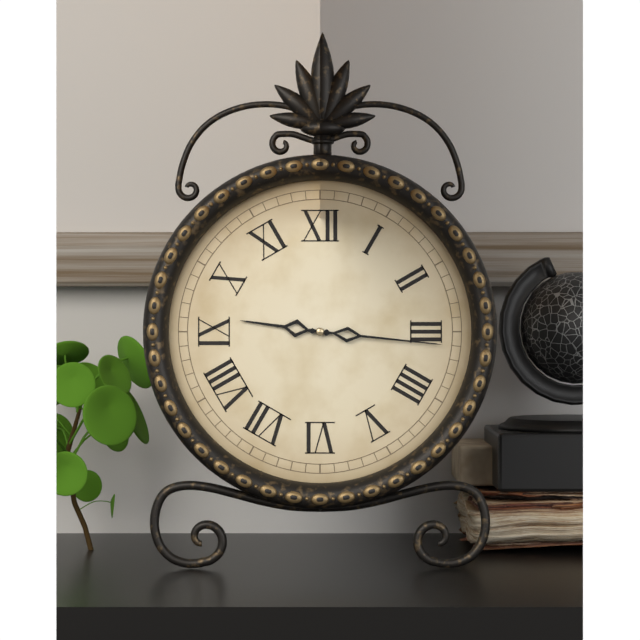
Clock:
9 h 16 min
